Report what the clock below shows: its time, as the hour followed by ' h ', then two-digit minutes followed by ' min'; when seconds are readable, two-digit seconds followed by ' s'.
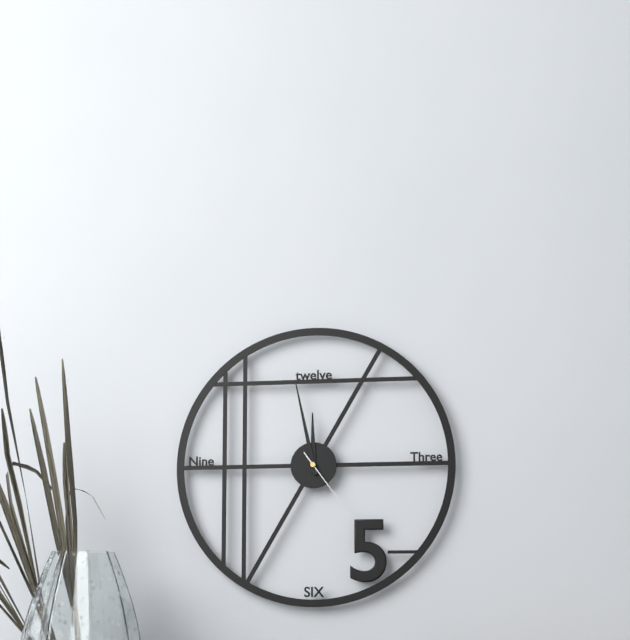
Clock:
11 h 58 min 24 s
